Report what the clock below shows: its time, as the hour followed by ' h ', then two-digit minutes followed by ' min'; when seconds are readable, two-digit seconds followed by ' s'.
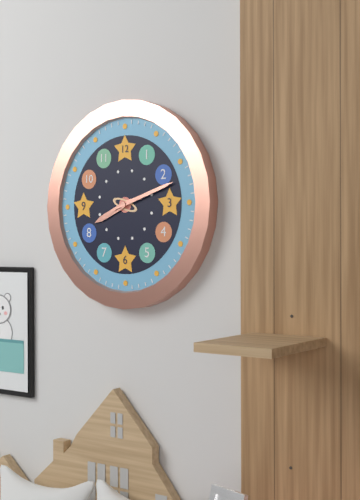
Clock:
8 h 12 min
